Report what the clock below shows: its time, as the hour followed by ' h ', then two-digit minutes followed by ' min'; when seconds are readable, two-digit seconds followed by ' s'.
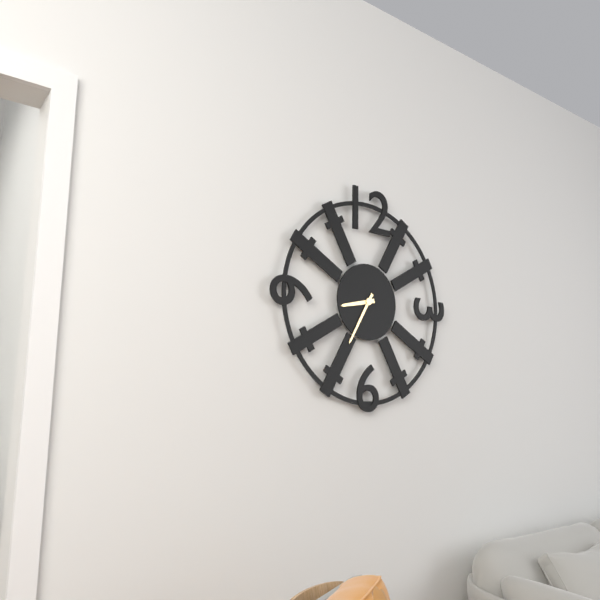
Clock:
8 h 35 min
